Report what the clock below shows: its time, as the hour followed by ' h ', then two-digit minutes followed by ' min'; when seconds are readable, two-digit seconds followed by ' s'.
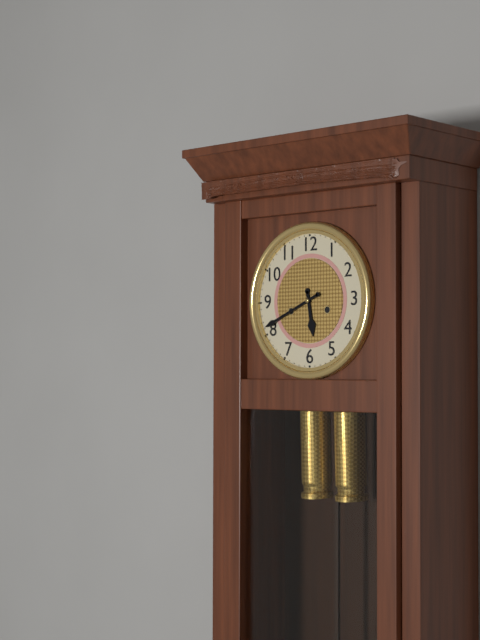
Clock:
5 h 41 min
